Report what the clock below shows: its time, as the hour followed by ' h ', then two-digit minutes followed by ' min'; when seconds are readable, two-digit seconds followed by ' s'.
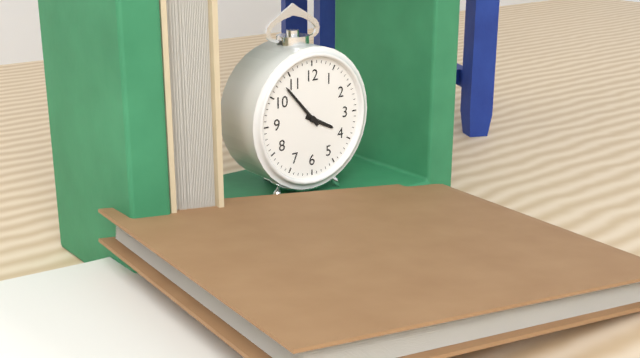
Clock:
3 h 53 min
